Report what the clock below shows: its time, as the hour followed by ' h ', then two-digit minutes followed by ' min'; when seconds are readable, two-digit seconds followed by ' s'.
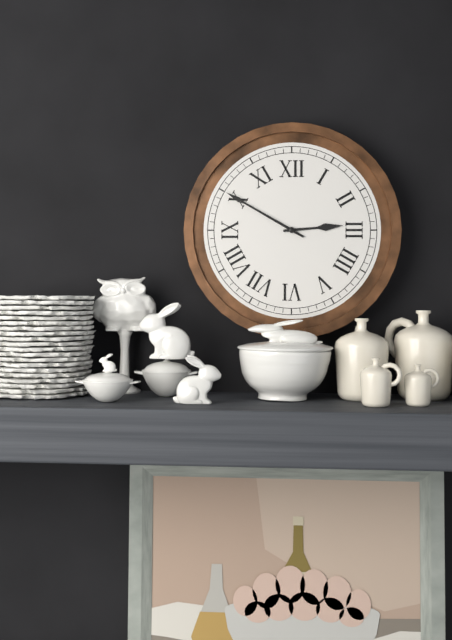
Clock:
2 h 50 min
